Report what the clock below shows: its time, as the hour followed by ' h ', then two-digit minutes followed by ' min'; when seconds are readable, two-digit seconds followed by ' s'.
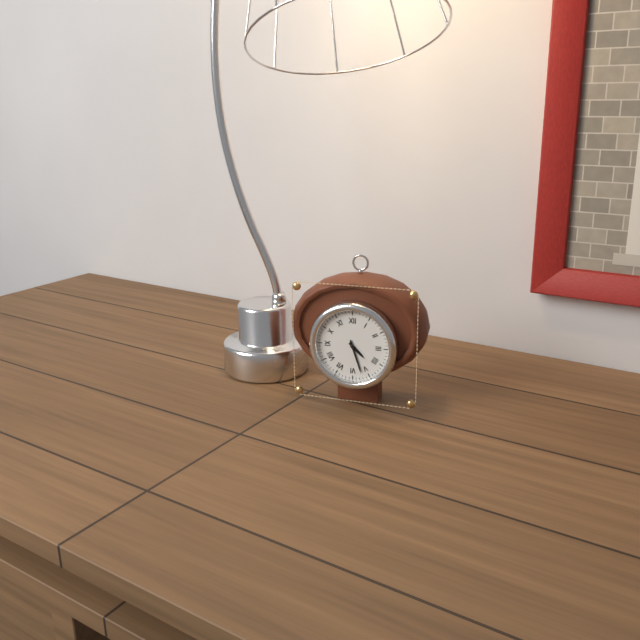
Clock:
4 h 27 min
